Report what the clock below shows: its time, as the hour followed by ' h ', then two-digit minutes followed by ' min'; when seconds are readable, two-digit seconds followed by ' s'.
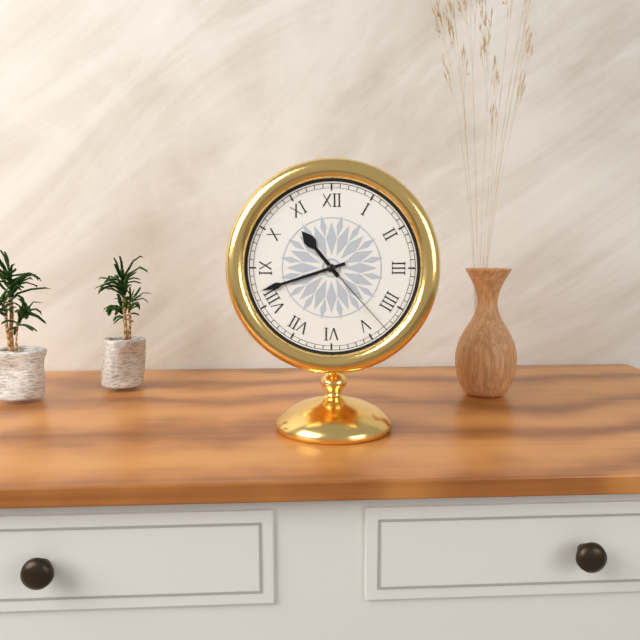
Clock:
10 h 42 min 23 s
